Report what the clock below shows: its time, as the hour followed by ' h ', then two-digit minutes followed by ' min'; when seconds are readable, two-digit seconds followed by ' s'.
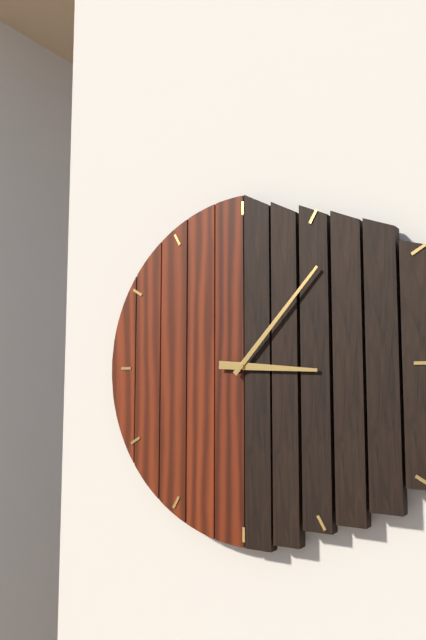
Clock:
3 h 07 min
